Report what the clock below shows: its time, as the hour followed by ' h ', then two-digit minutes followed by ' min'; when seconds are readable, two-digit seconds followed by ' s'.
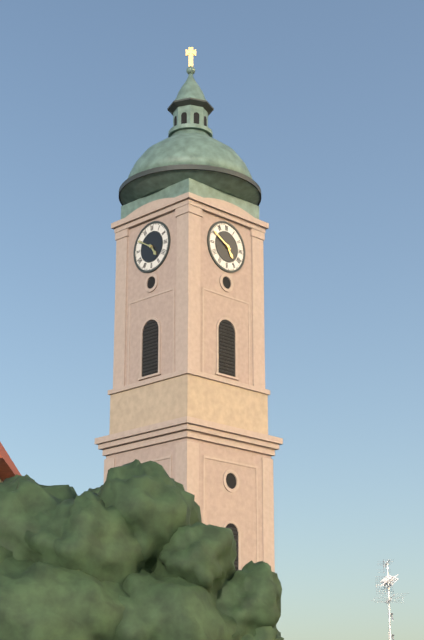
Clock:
4 h 50 min
